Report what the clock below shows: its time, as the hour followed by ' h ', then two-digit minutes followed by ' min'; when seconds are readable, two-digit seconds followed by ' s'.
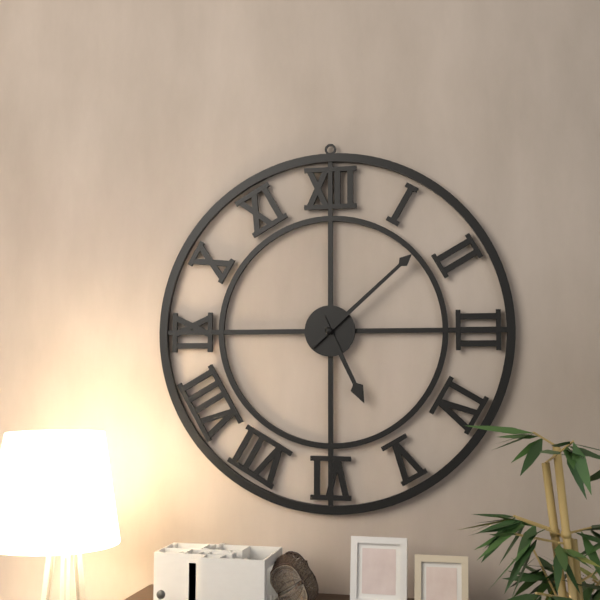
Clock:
5 h 08 min
